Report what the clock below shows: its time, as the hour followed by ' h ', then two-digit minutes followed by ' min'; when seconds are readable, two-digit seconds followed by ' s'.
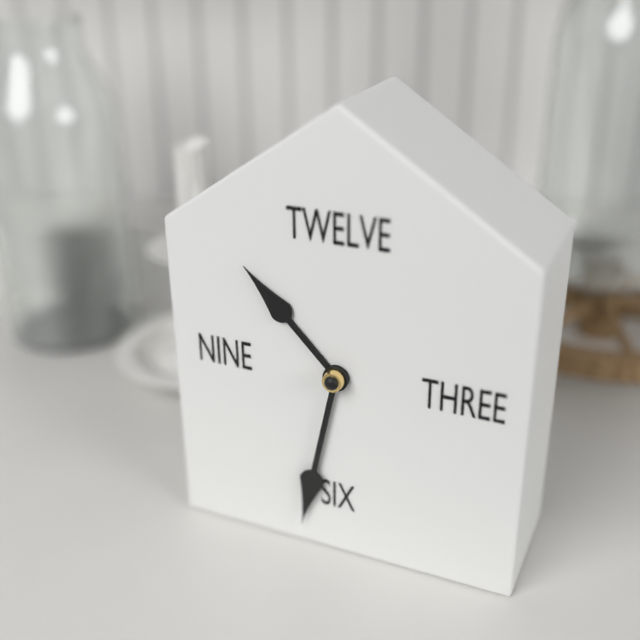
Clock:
10 h 32 min
